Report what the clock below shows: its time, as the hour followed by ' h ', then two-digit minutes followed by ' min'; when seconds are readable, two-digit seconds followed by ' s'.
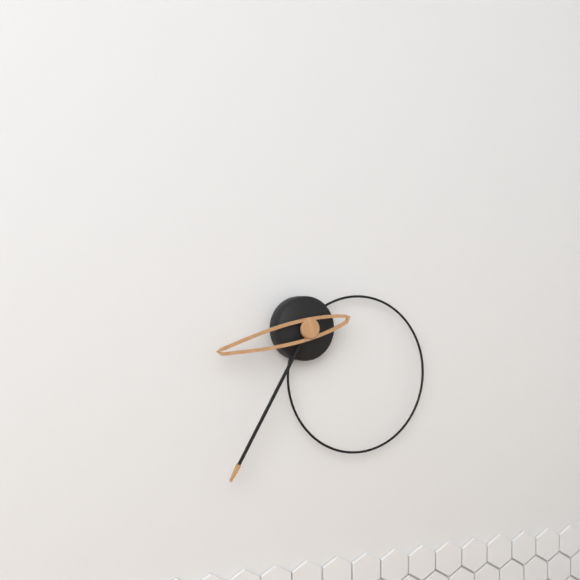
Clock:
8 h 35 min
